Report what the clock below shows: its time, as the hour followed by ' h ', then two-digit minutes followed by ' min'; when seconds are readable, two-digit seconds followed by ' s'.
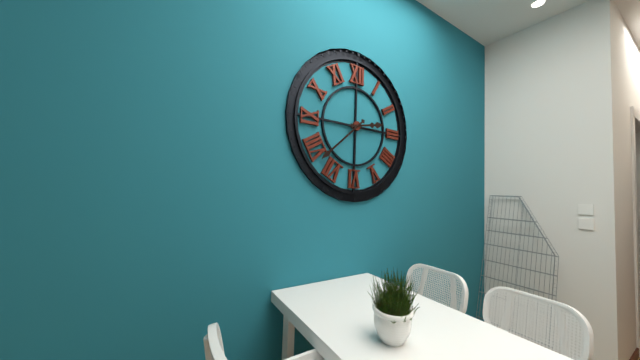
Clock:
2 h 38 min
